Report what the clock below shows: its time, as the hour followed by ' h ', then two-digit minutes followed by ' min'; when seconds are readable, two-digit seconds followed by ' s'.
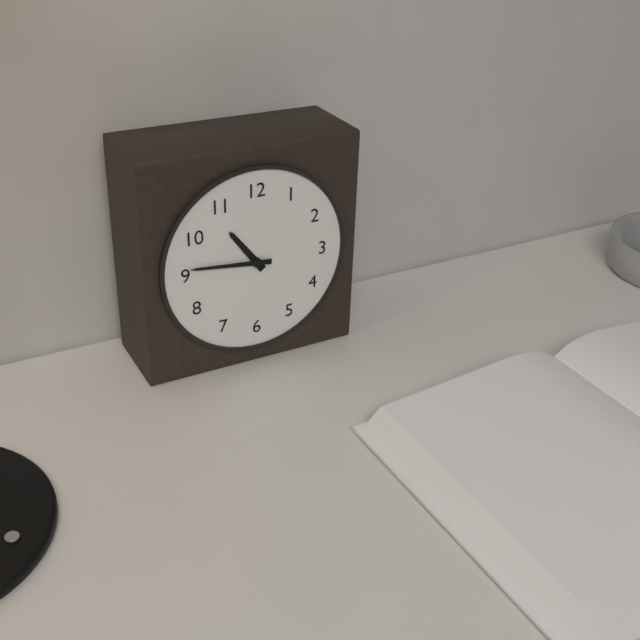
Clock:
10 h 46 min
